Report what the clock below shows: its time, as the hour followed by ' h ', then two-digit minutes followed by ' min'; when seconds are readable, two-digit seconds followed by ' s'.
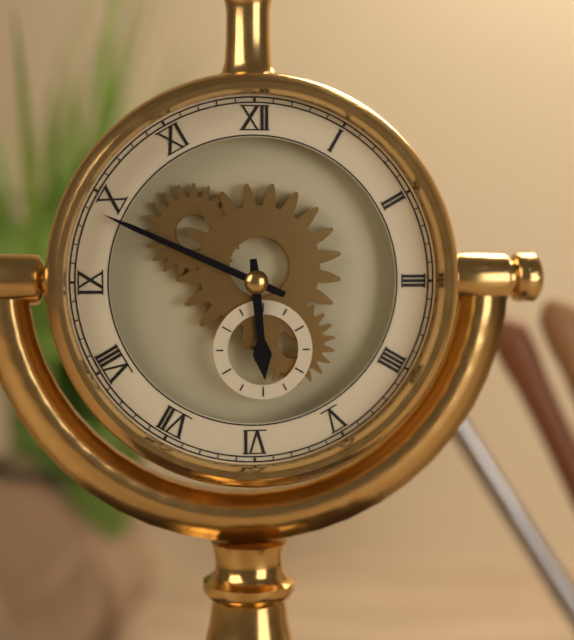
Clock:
5 h 49 min
